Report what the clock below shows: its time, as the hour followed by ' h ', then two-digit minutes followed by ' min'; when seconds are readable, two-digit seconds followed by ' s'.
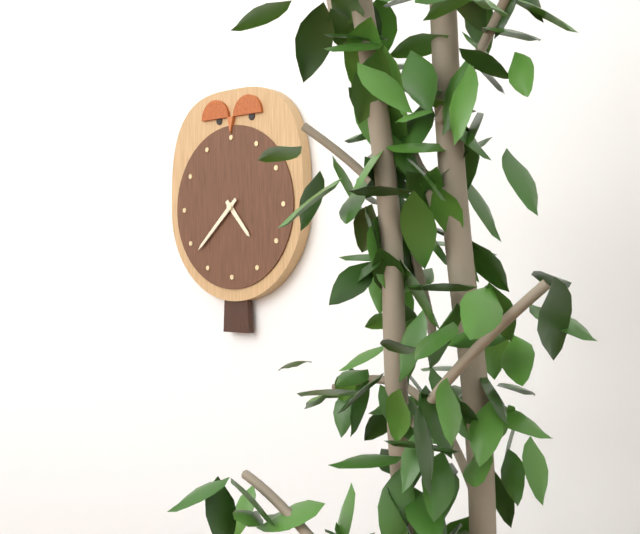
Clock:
4 h 38 min
